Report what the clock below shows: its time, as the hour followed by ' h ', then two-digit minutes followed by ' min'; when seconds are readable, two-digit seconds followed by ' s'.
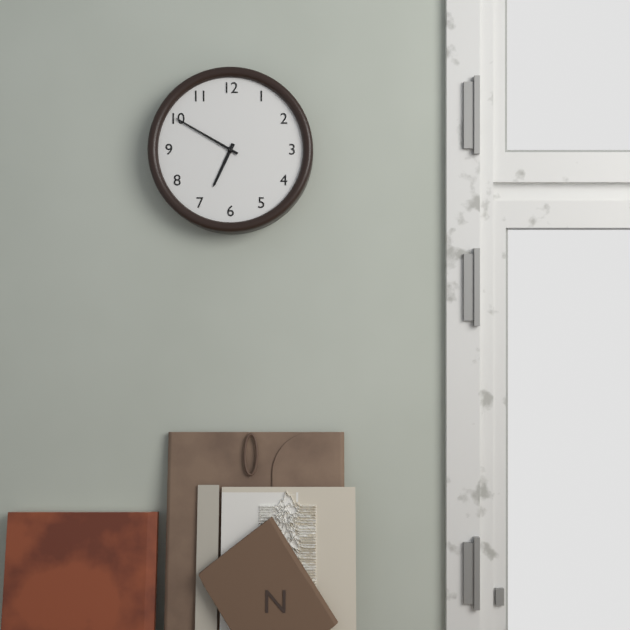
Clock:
6 h 50 min
